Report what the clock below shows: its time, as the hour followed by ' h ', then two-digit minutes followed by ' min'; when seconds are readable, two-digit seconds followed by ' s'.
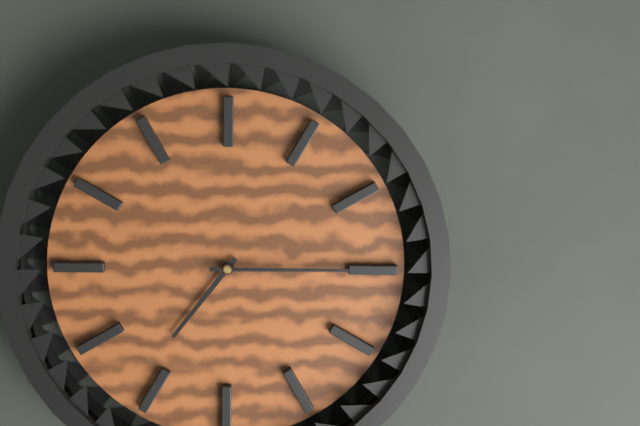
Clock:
7 h 15 min
